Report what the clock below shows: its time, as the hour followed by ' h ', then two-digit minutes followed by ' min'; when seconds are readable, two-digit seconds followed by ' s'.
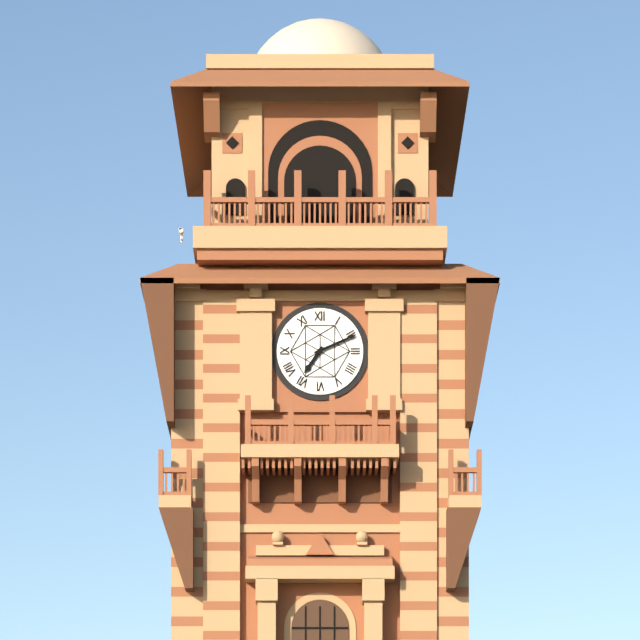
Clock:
7 h 11 min
